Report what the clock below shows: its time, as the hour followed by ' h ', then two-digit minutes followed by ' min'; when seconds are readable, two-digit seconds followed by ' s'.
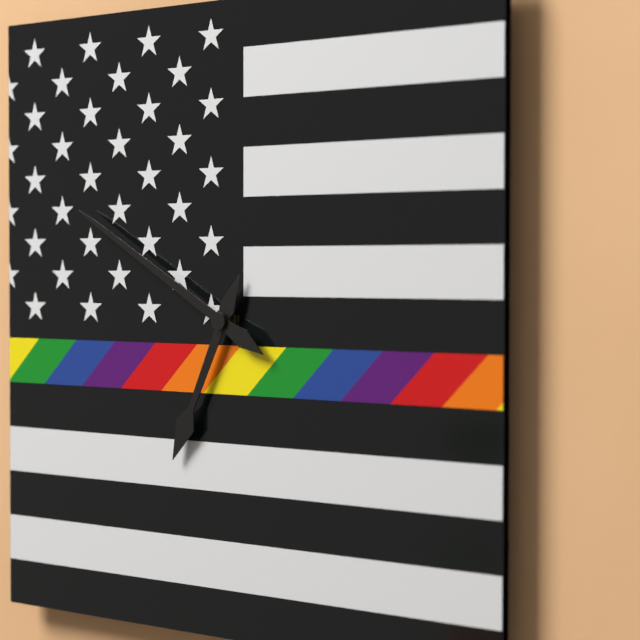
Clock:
6 h 50 min
